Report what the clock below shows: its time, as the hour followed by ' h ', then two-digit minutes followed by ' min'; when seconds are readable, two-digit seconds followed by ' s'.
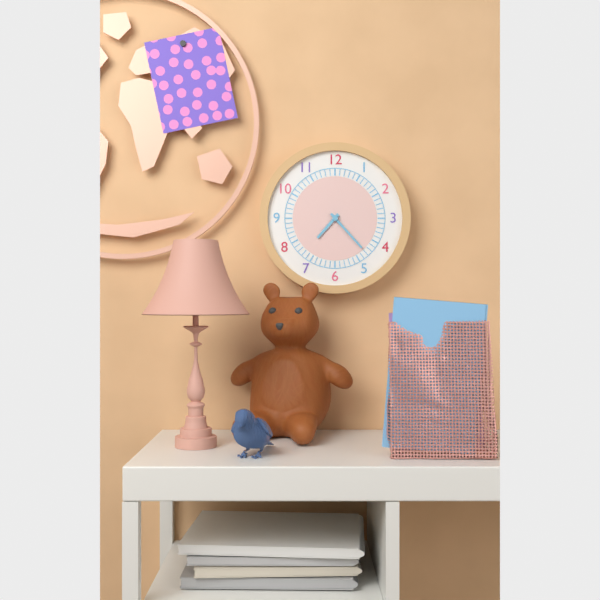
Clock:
7 h 23 min
